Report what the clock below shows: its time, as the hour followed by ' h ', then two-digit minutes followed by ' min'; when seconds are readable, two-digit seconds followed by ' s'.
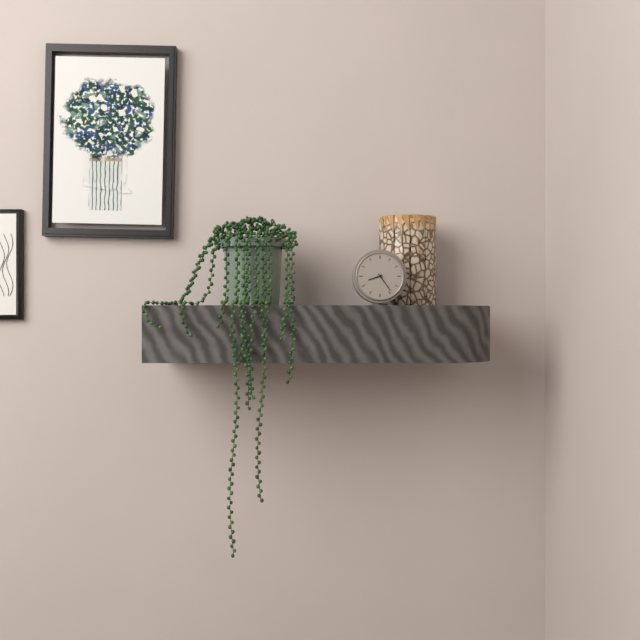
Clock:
8 h 24 min
